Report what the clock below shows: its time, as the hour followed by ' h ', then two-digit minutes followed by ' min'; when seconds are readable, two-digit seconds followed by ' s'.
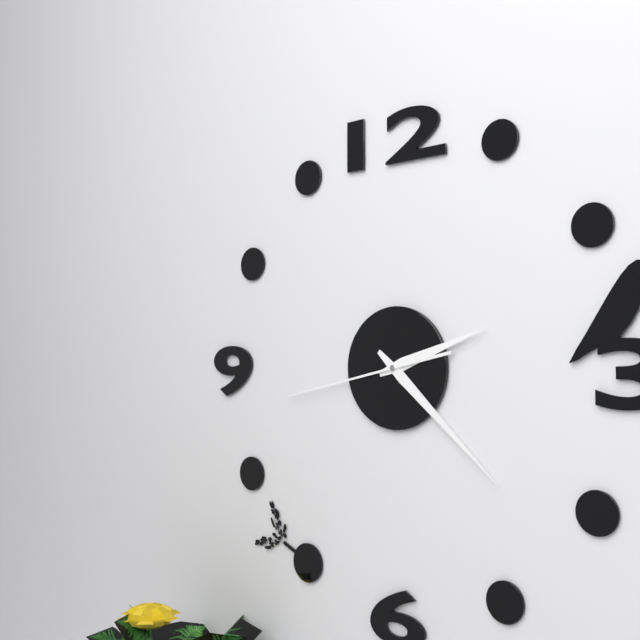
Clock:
2 h 22 min 43 s
